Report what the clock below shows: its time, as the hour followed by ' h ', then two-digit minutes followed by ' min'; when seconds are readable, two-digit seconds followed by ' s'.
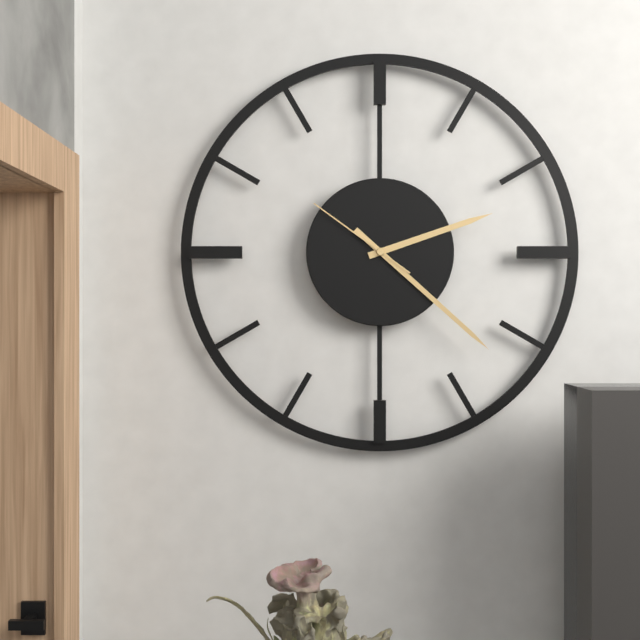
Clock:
2 h 22 min 51 s
